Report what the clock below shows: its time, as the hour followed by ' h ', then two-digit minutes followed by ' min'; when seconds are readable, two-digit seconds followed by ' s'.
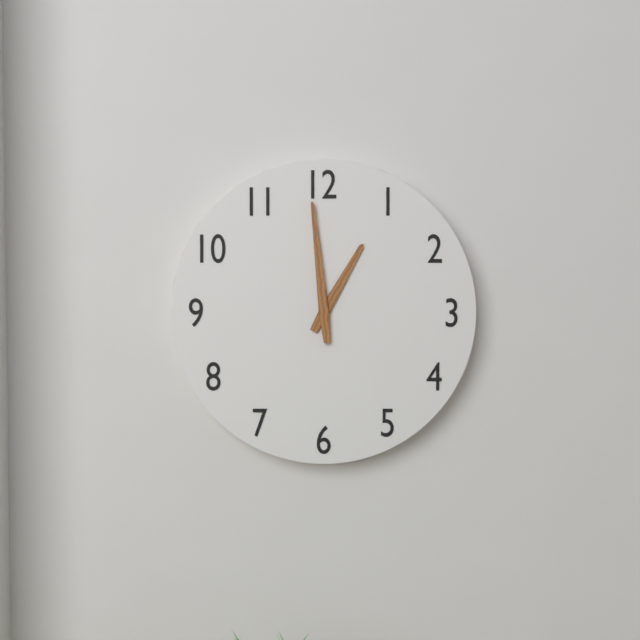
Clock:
12 h 59 min
